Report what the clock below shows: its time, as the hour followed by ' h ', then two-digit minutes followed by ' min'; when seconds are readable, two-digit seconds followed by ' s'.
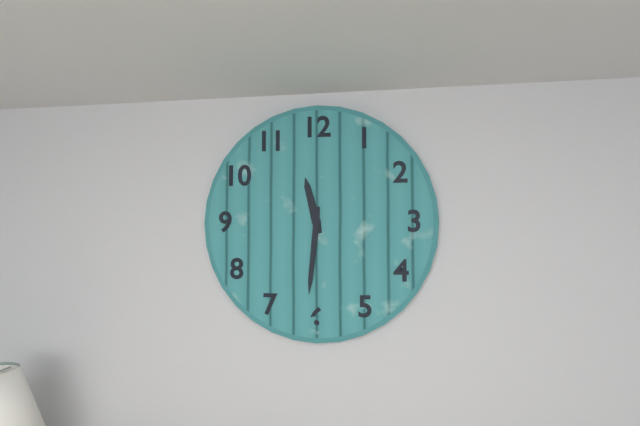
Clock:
11 h 31 min
